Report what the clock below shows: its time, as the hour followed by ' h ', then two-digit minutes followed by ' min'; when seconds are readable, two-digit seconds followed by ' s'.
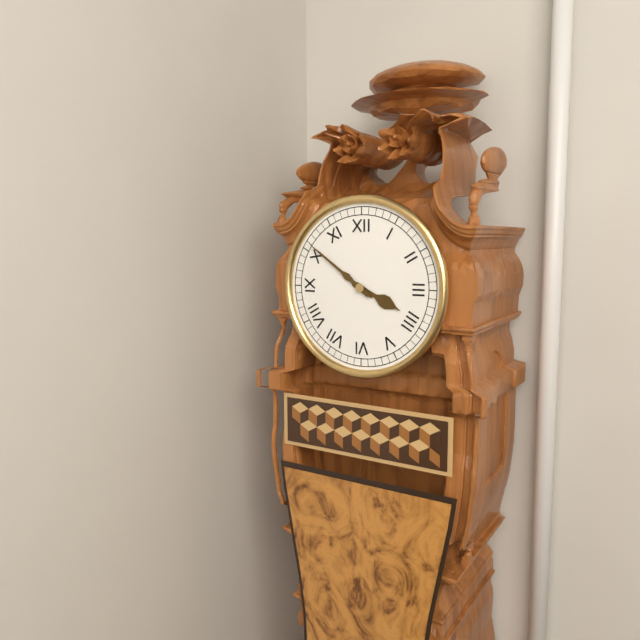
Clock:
3 h 51 min
